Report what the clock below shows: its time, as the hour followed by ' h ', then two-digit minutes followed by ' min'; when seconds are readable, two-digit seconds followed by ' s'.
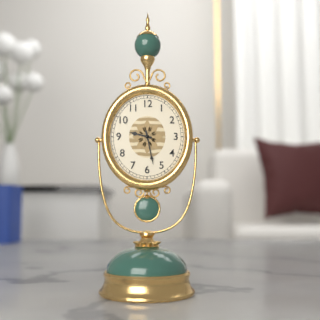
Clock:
9 h 28 min
